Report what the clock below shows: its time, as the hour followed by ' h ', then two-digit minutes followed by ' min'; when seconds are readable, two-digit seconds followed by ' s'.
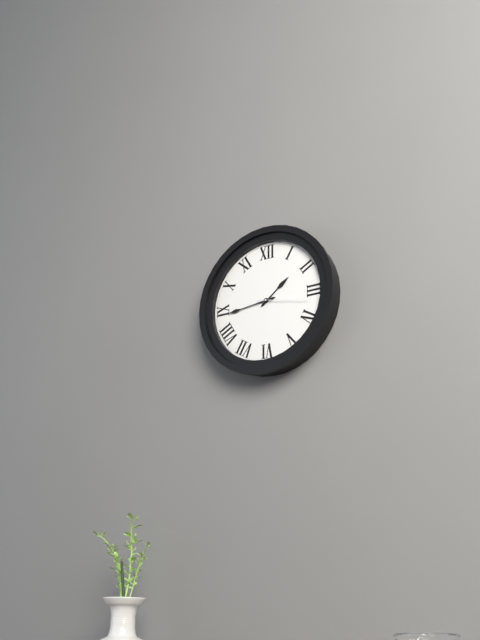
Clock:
1 h 44 min 17 s
